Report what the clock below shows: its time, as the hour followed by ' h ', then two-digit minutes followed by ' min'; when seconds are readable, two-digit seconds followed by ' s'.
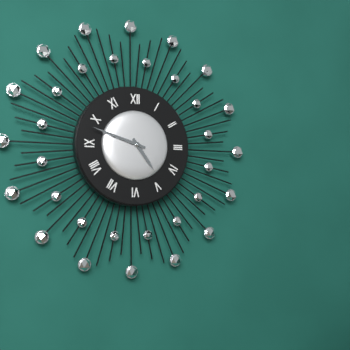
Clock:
4 h 48 min
